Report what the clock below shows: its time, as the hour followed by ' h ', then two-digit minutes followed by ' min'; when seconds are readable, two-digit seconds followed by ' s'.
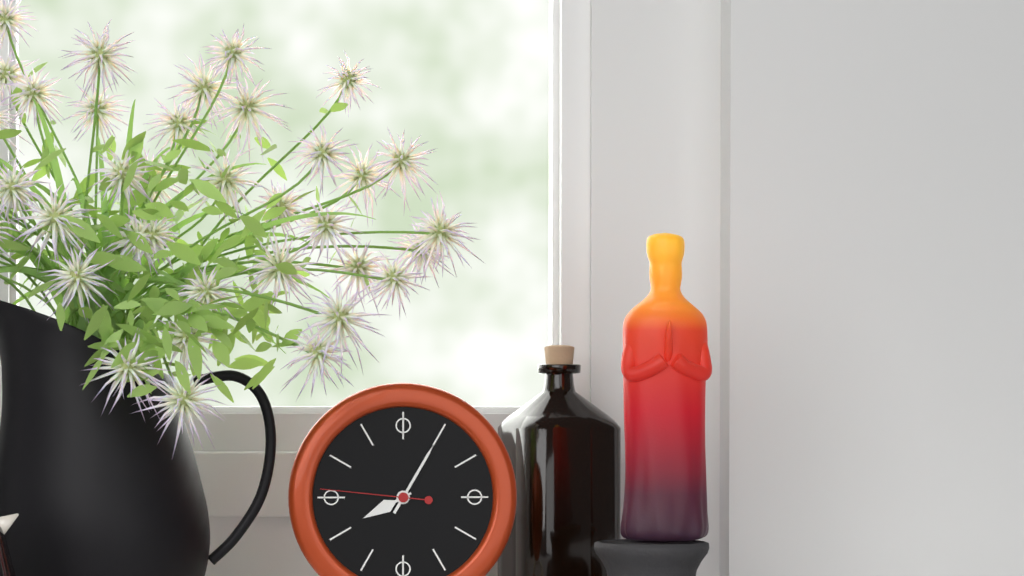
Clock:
8 h 05 min 46 s
